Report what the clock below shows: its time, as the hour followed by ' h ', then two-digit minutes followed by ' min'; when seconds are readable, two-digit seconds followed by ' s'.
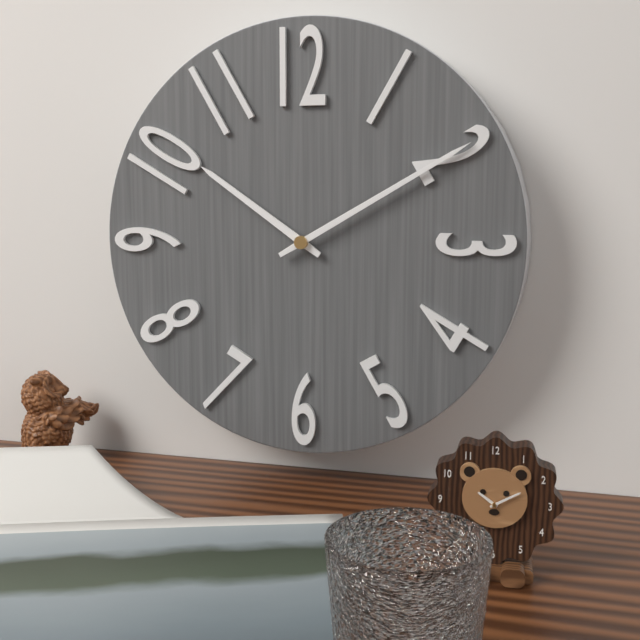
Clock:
10 h 10 min
